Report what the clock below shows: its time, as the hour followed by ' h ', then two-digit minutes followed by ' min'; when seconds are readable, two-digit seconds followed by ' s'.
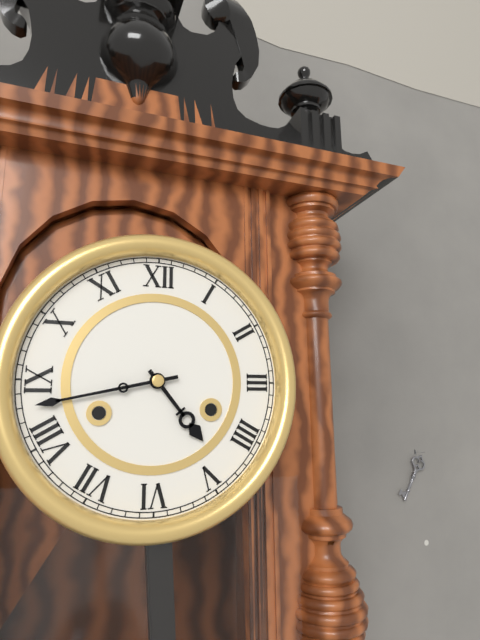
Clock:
4 h 43 min
